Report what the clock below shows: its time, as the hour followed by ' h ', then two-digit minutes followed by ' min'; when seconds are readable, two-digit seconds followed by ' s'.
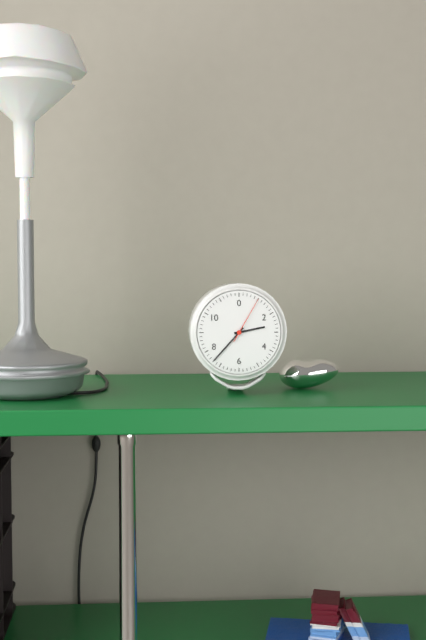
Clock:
2 h 37 min
